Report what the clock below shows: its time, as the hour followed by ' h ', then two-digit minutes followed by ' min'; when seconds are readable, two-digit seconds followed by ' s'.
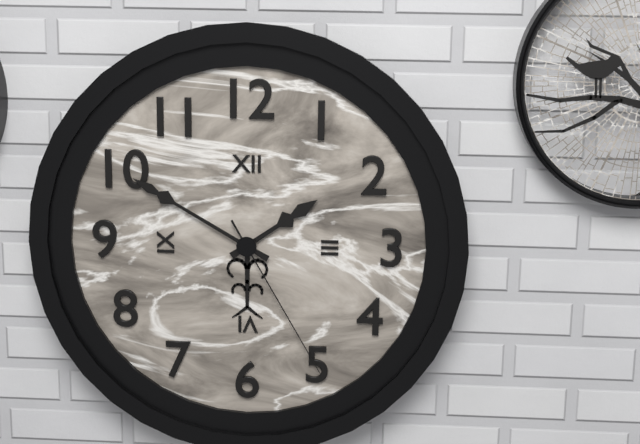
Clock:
1 h 50 min 25 s
